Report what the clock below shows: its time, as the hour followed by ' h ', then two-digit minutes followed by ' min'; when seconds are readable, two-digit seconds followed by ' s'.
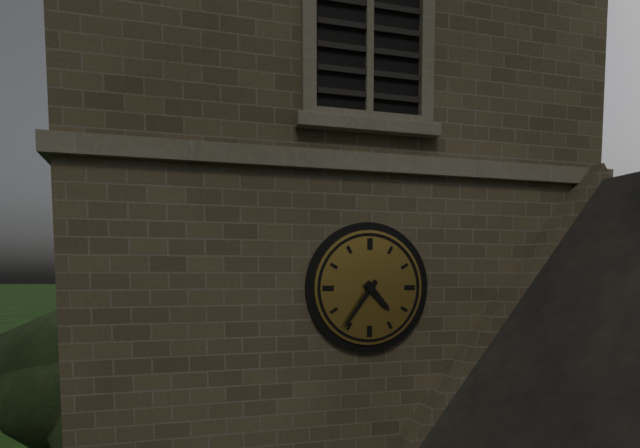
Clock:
4 h 36 min
